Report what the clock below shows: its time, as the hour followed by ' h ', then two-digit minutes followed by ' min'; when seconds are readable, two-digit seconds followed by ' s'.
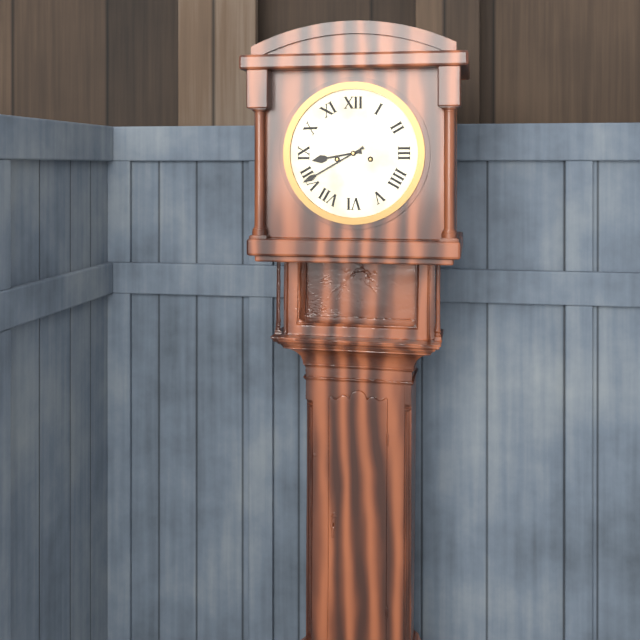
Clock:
8 h 40 min
